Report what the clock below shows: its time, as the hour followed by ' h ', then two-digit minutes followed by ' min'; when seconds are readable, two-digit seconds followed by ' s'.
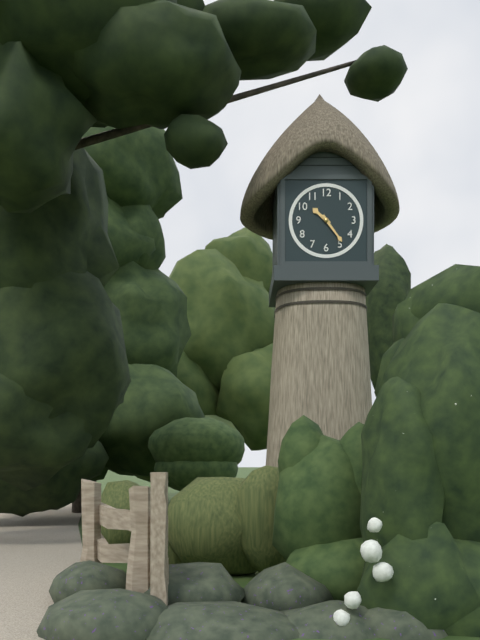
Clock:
10 h 24 min
